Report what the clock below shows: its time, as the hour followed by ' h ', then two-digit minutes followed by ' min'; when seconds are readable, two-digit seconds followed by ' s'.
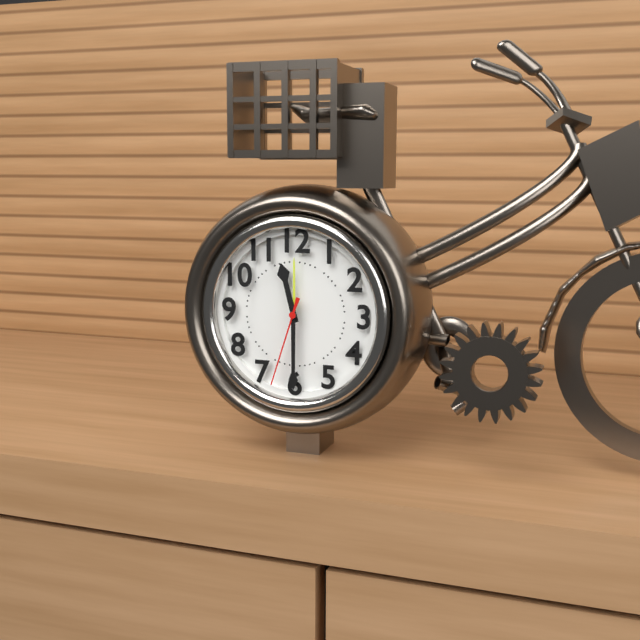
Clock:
11 h 30 min 33 s
